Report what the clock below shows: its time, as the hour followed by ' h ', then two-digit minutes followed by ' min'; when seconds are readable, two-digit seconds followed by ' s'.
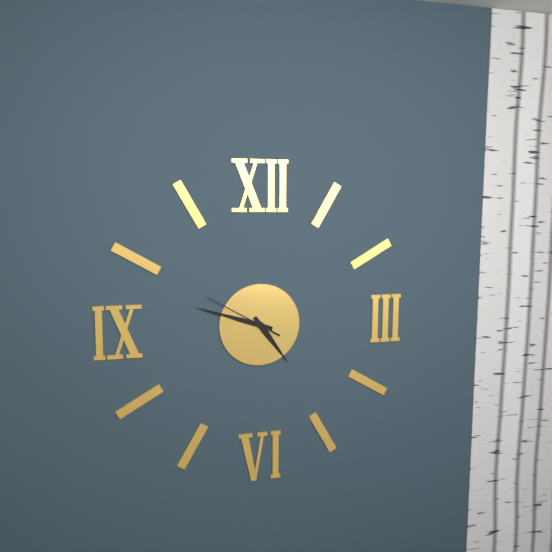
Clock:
4 h 48 min 50 s
